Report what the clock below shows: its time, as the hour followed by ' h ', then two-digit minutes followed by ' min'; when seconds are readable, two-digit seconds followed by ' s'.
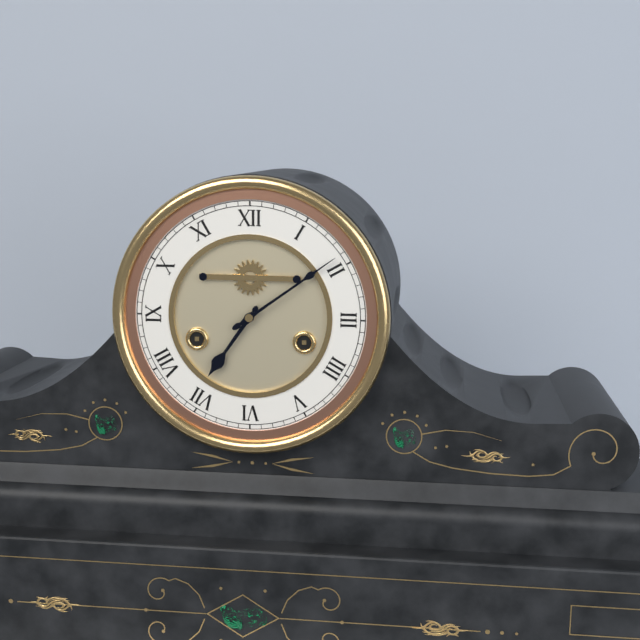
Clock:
7 h 09 min
